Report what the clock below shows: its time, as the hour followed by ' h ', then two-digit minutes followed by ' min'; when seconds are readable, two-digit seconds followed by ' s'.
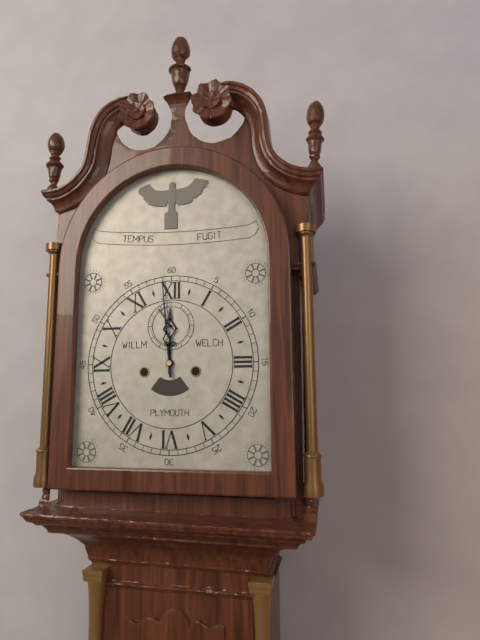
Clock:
11 h 59 min
